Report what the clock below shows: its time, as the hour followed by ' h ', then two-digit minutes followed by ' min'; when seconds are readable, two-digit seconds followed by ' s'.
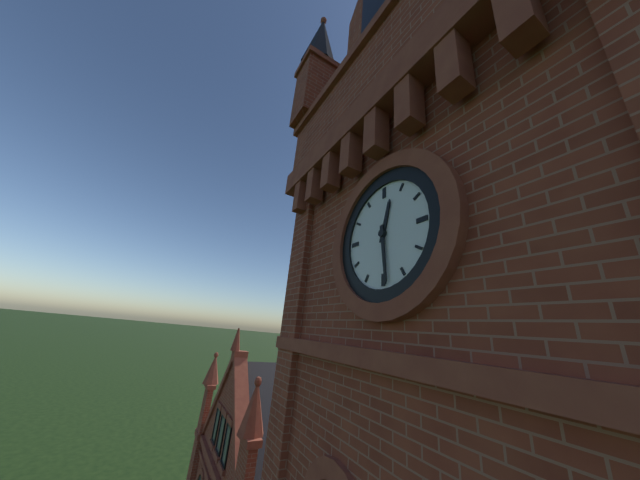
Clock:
12 h 29 min
